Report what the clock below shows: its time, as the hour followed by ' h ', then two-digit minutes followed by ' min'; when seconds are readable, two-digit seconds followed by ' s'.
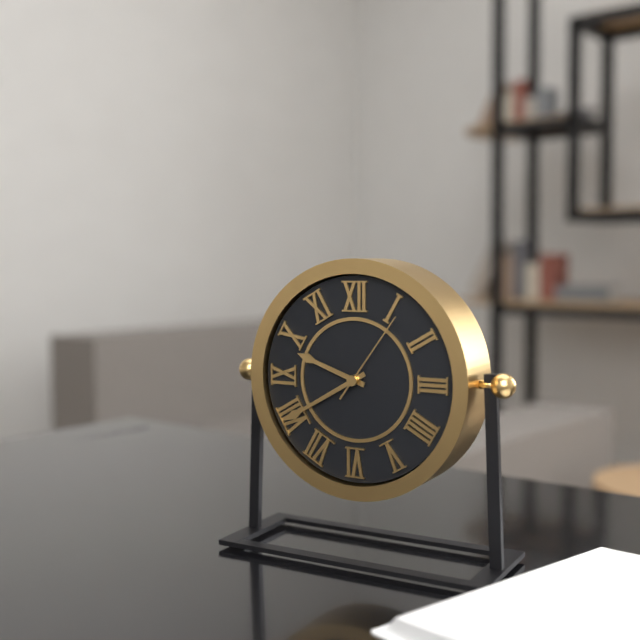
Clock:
9 h 40 min 06 s
